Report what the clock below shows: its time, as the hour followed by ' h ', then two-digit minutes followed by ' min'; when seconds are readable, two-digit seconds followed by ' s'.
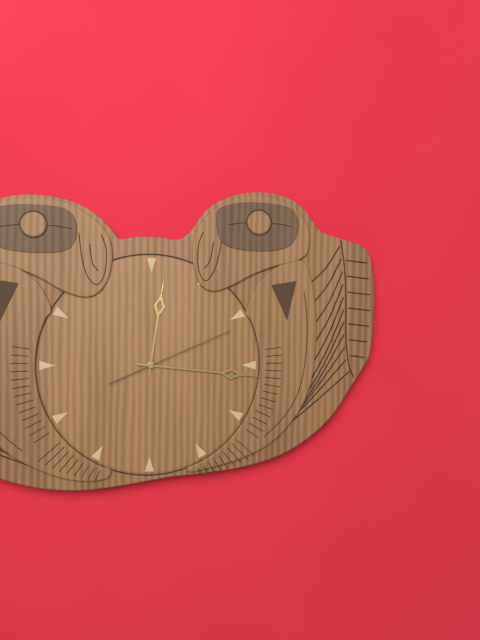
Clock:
12 h 16 min 11 s
